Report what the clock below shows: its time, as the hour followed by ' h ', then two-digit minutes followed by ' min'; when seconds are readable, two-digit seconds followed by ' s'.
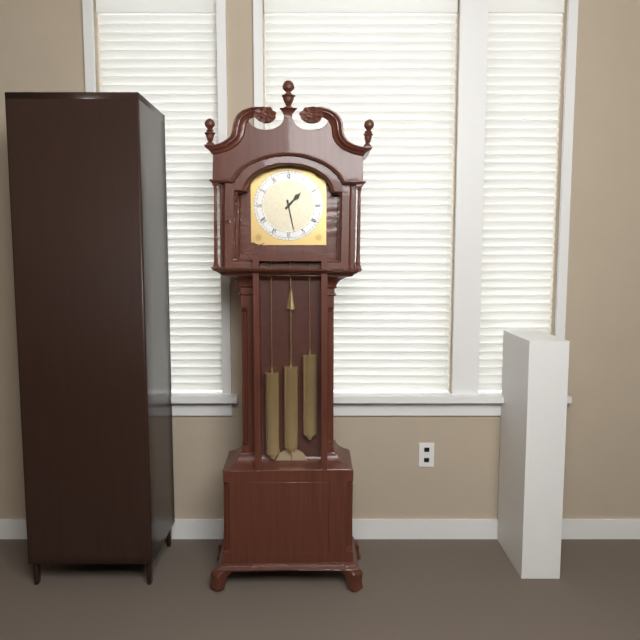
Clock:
1 h 28 min
